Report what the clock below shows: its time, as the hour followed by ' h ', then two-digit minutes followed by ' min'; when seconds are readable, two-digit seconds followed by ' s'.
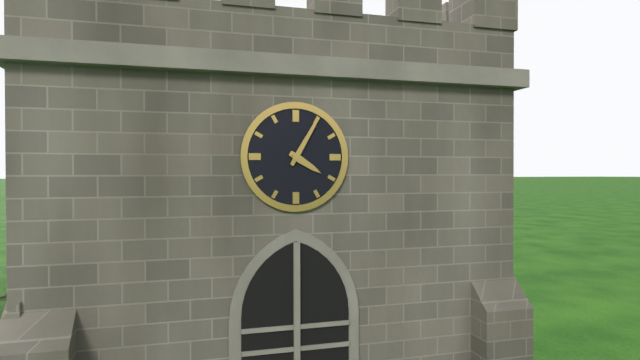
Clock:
4 h 05 min
